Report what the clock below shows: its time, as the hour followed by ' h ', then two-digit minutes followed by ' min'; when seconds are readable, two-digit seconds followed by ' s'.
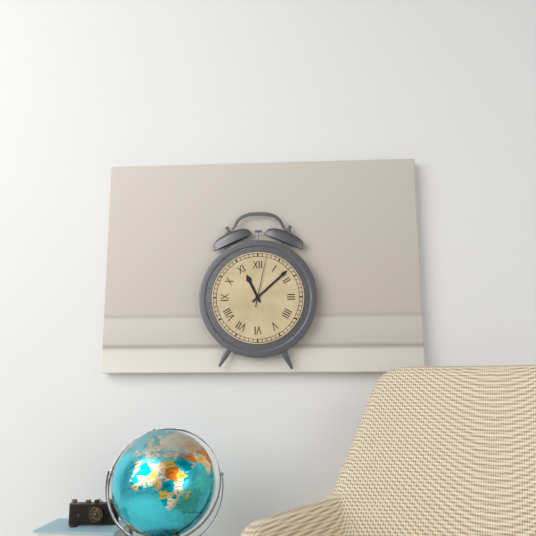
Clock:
11 h 08 min 02 s
